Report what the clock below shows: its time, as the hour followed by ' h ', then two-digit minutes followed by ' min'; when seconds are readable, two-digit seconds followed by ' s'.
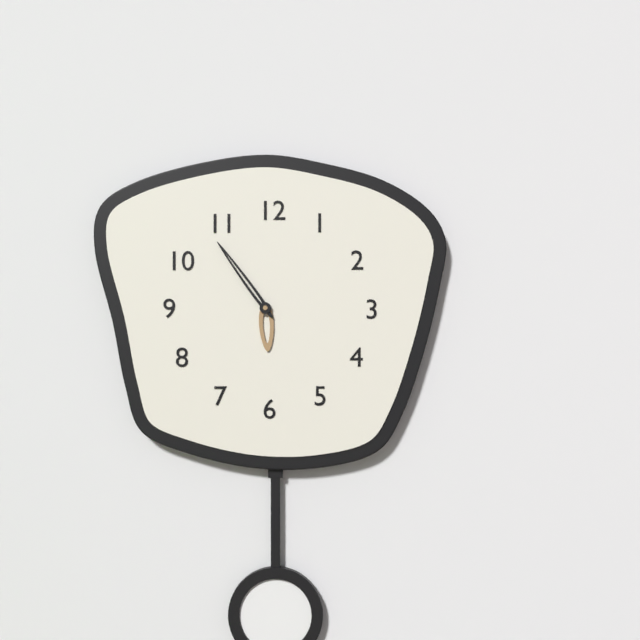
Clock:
5 h 54 min
